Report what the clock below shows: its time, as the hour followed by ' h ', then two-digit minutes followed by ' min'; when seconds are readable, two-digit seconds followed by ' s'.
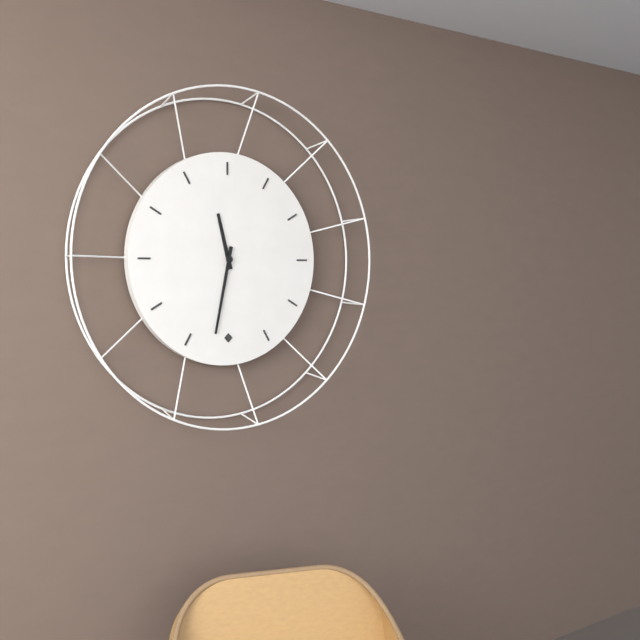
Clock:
11 h 32 min
